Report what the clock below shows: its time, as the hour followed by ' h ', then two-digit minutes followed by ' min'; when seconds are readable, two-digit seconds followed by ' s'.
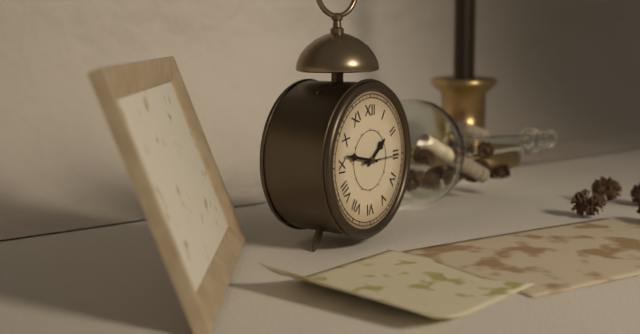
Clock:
1 h 47 min
